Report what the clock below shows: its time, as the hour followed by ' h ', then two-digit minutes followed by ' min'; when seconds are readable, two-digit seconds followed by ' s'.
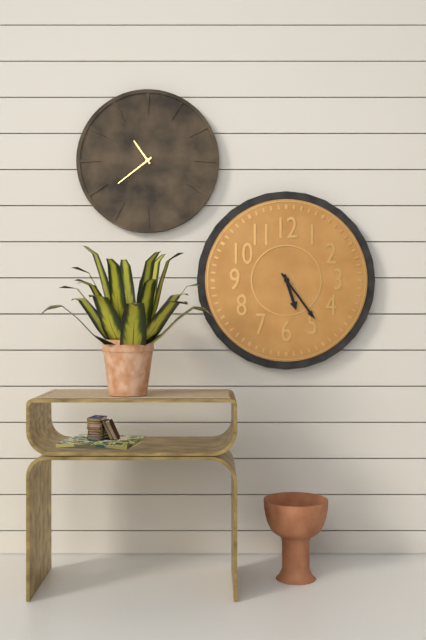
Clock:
5 h 24 min
